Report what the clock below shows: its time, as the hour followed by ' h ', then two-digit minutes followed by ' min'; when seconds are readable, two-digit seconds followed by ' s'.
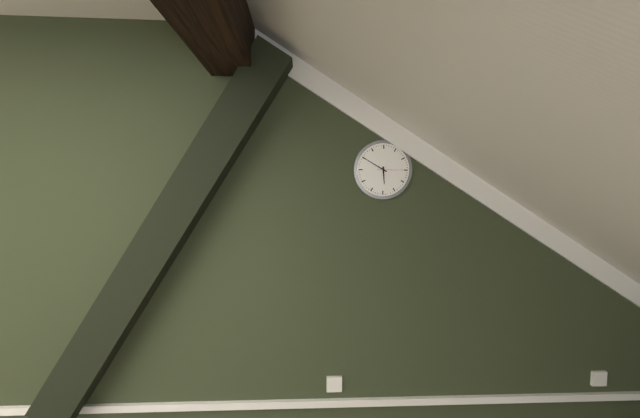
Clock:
5 h 50 min
